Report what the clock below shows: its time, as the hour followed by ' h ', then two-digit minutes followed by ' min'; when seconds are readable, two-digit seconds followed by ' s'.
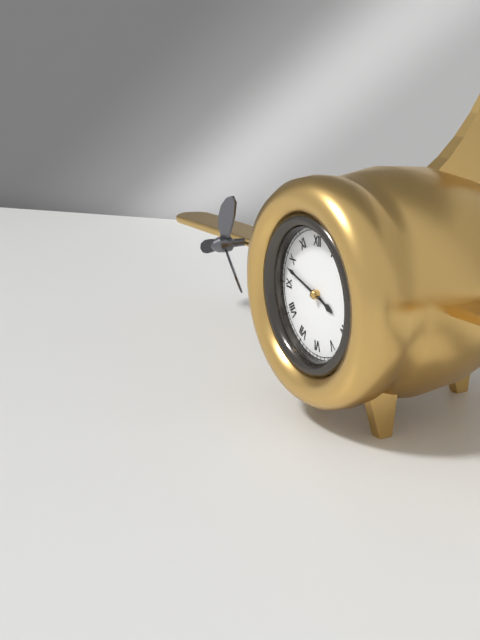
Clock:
3 h 48 min
